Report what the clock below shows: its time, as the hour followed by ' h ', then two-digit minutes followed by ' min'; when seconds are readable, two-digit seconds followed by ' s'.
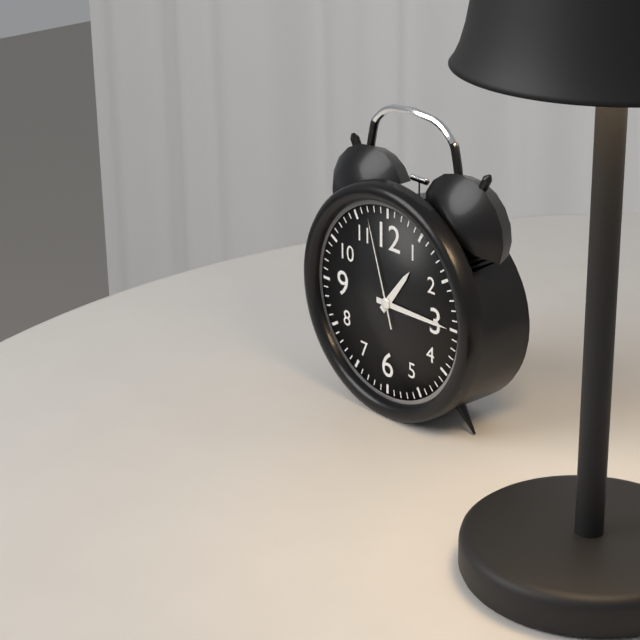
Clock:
1 h 15 min 57 s
